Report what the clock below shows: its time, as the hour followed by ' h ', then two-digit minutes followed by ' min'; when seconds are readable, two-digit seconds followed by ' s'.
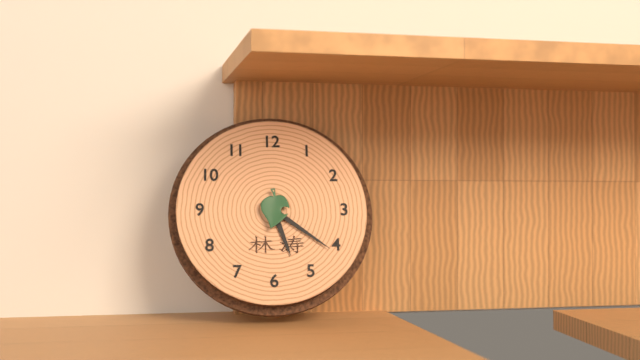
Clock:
5 h 21 min
